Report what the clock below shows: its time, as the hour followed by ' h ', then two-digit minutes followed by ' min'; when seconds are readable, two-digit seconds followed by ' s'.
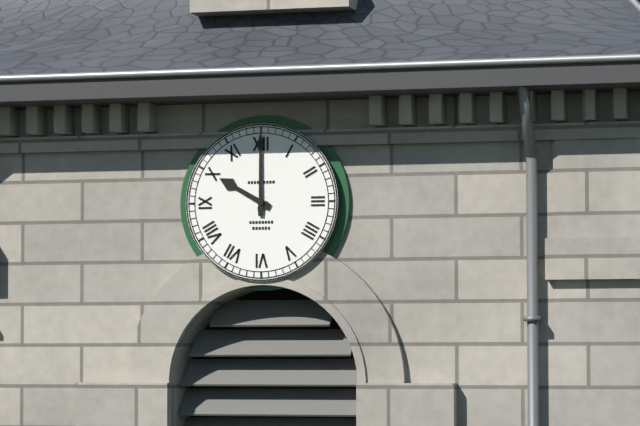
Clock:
10 h 00 min
